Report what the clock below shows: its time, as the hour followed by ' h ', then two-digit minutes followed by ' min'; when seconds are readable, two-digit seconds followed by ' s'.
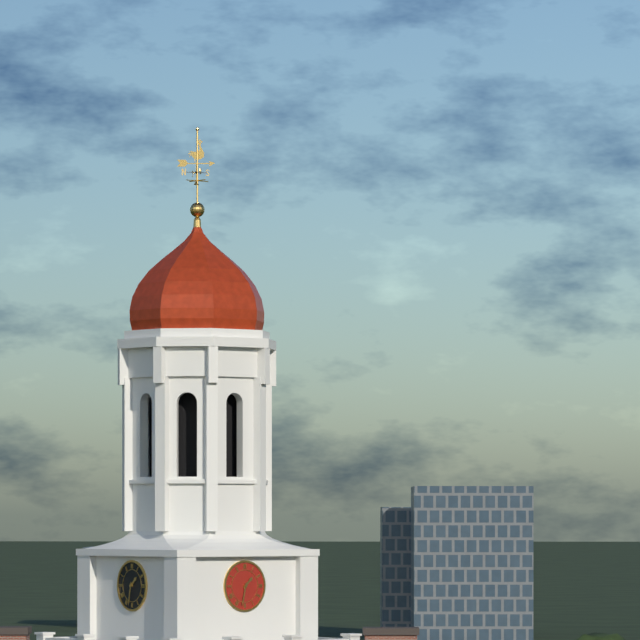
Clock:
1 h 32 min
